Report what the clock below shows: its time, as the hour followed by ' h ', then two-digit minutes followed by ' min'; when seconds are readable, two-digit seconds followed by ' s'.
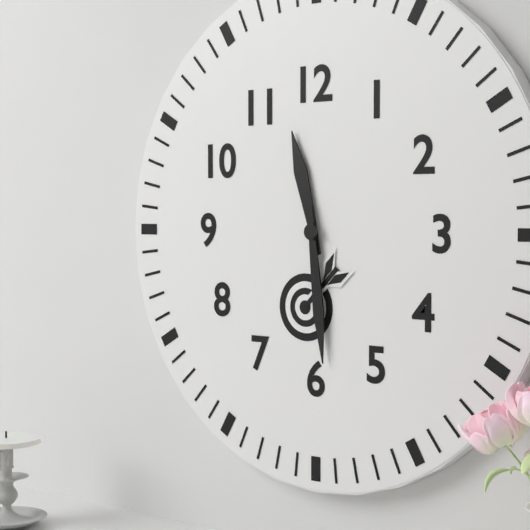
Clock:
11 h 29 min
